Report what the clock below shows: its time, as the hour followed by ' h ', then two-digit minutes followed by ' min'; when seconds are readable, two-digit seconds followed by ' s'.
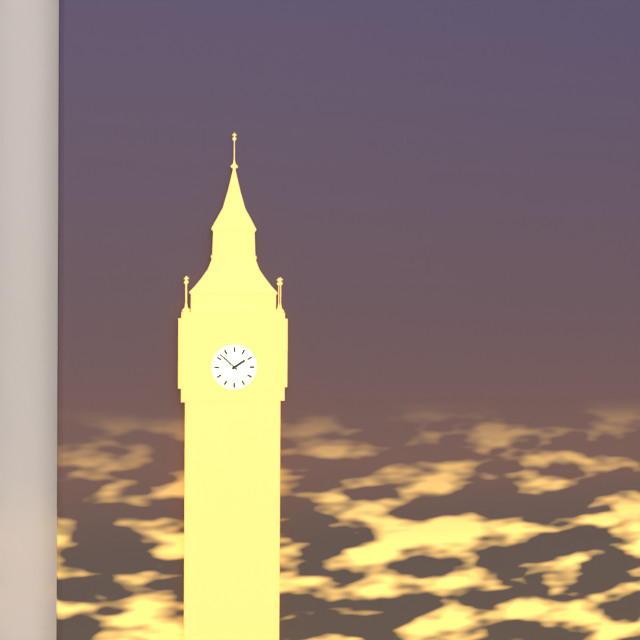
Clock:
1 h 52 min
